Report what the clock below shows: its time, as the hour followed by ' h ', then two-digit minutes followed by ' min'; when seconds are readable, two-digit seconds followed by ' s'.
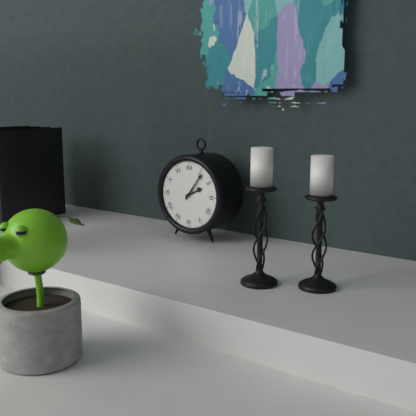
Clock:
2 h 06 min
